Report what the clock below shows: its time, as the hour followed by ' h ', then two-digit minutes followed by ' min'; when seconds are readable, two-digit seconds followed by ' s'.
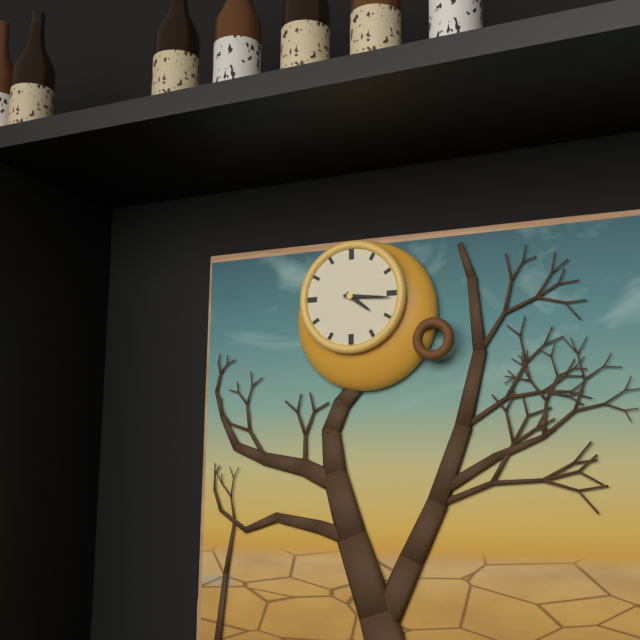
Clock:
4 h 16 min
